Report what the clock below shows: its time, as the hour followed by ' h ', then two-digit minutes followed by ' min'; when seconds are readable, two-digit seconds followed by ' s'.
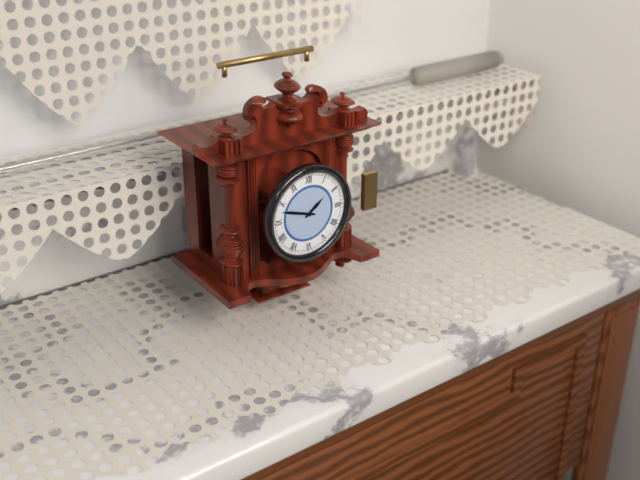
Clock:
1 h 48 min
